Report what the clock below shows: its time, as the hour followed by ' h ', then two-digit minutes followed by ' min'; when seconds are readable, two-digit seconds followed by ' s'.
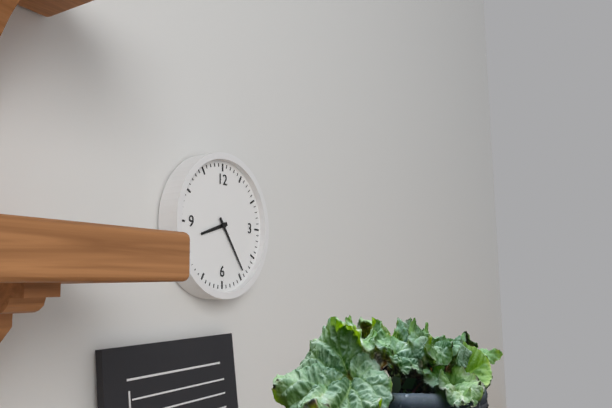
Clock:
8 h 24 min
